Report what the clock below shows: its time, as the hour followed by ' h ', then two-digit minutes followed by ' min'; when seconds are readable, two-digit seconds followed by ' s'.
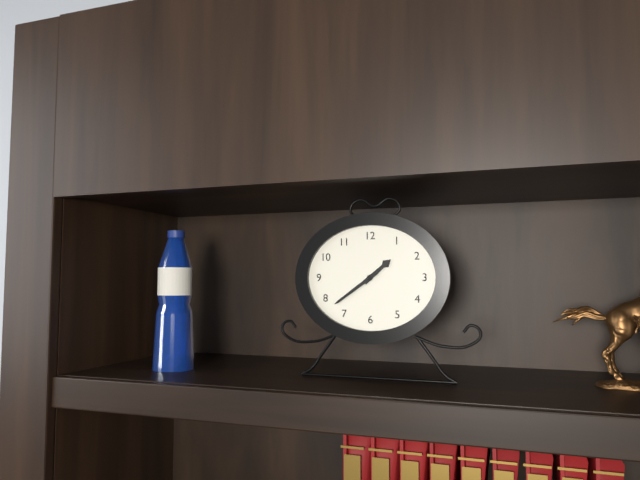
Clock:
1 h 39 min
